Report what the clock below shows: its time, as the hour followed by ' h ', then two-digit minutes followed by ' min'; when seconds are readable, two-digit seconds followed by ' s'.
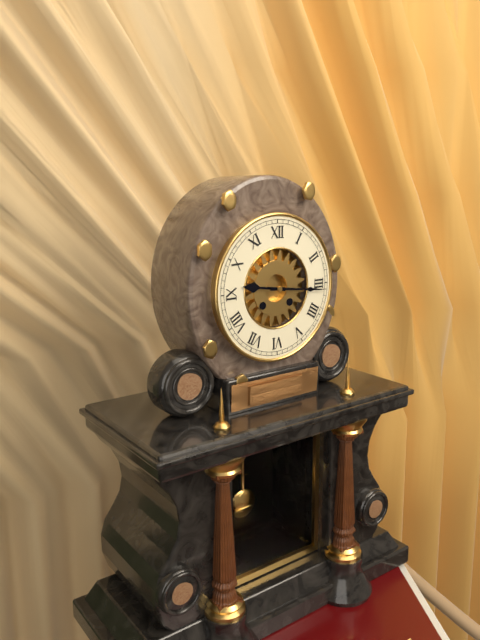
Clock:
9 h 16 min
